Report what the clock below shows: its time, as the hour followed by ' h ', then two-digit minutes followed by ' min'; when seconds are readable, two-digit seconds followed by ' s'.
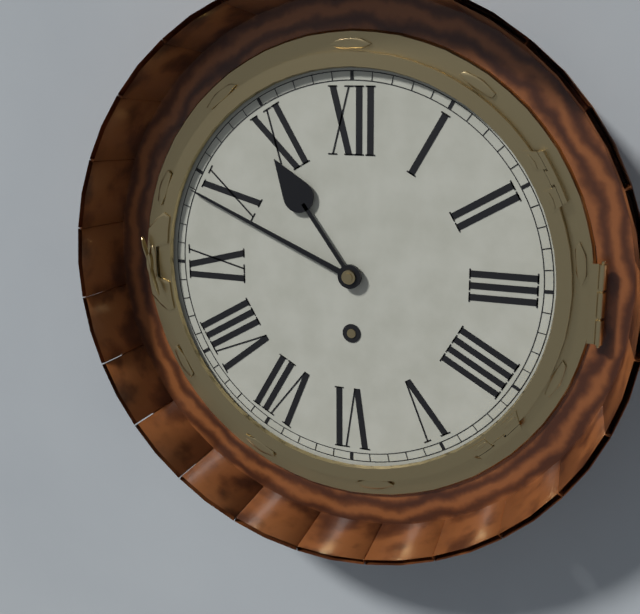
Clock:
10 h 49 min
